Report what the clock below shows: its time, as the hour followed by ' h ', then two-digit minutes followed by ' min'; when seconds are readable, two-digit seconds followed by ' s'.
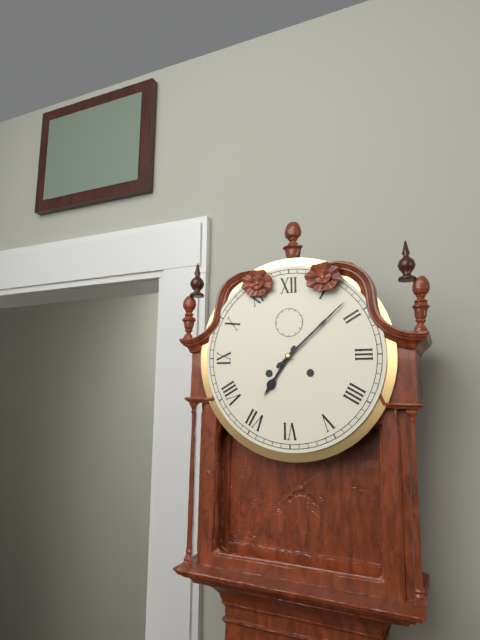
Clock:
7 h 08 min
